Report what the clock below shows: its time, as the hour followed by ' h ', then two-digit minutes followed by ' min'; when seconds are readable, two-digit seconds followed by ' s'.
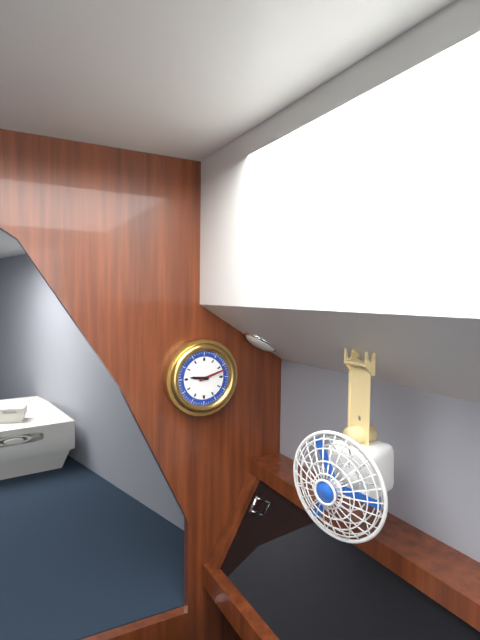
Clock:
9 h 12 min
